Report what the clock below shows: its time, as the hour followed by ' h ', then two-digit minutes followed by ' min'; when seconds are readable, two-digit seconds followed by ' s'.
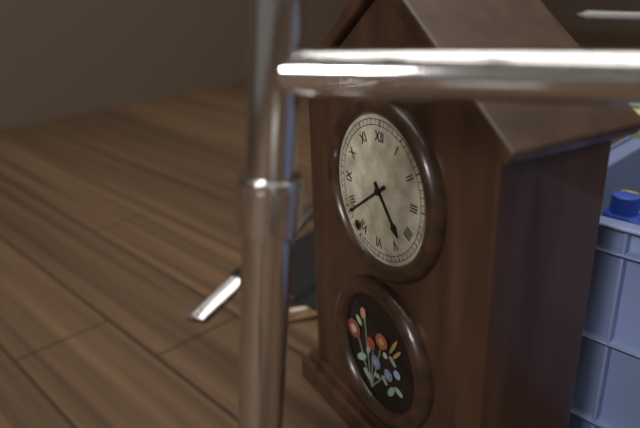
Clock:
4 h 39 min
